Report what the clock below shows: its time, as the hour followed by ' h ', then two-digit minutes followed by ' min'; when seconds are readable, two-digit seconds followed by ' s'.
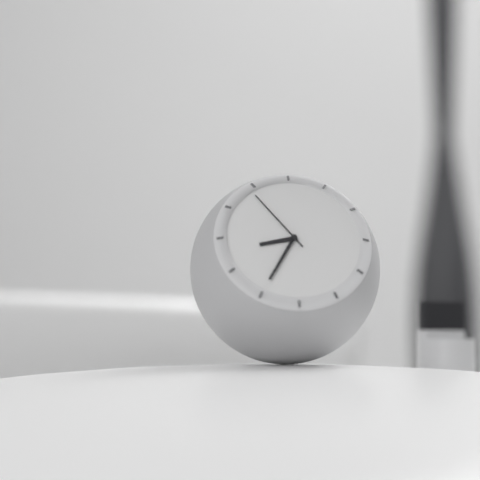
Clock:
8 h 35 min 54 s
